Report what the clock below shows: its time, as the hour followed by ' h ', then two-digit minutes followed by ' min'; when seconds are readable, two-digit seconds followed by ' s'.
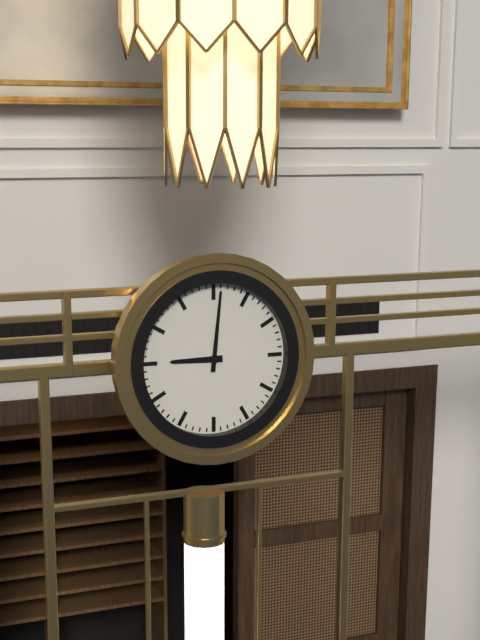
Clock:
9 h 01 min
